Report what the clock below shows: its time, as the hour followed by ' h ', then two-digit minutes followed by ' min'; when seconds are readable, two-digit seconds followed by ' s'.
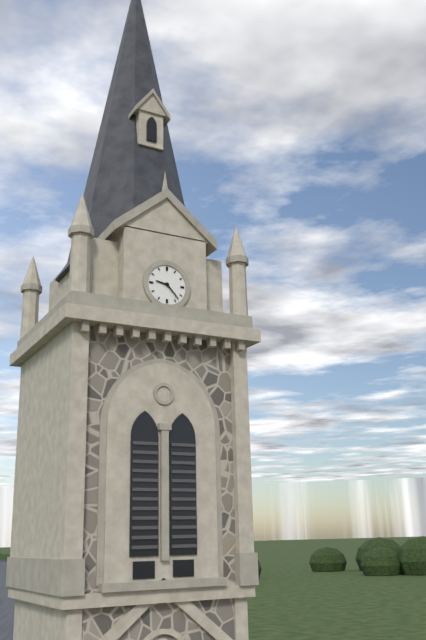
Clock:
9 h 23 min
